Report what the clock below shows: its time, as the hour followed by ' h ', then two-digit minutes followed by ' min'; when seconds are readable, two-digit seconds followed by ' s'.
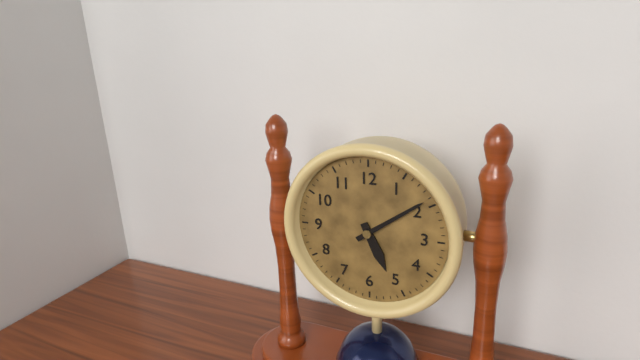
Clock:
5 h 09 min
